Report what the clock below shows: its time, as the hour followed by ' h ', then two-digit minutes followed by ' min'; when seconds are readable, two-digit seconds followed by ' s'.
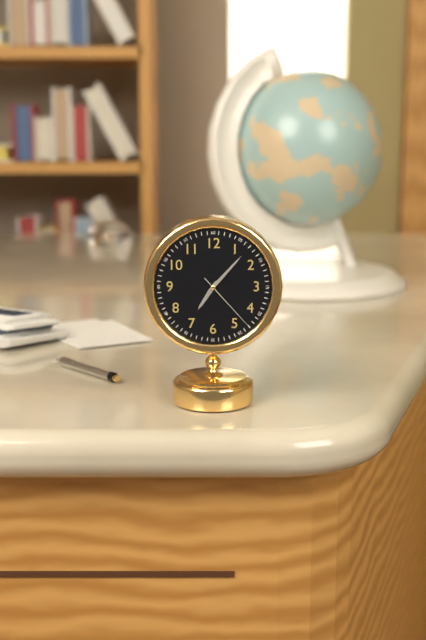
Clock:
7 h 07 min 23 s
